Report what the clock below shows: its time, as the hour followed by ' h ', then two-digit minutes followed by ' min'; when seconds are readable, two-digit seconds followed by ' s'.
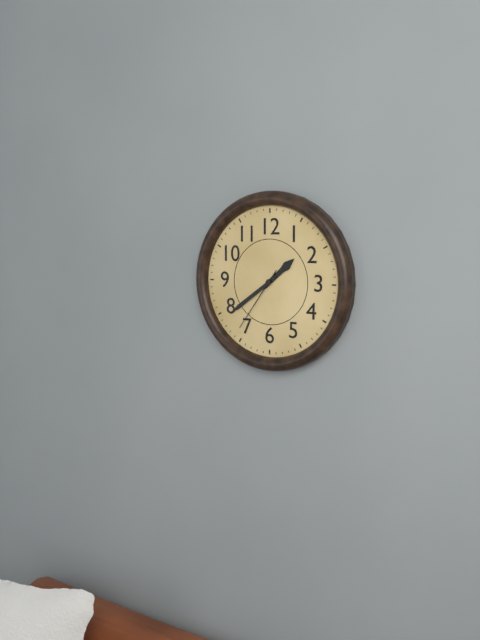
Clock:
1 h 39 min 36 s
